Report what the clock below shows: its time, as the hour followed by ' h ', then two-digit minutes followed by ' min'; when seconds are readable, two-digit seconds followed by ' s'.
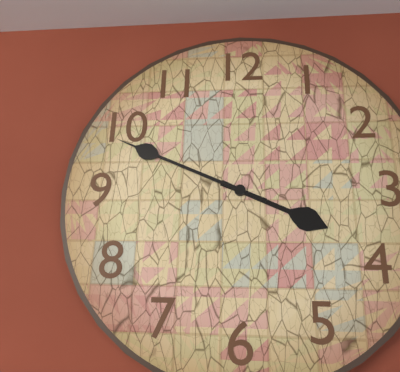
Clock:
3 h 49 min
